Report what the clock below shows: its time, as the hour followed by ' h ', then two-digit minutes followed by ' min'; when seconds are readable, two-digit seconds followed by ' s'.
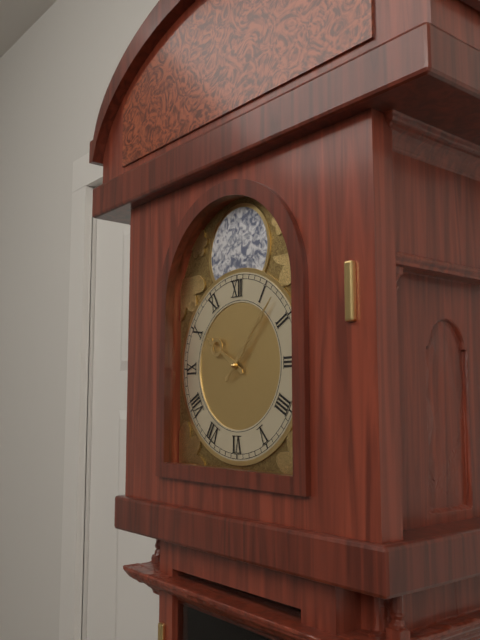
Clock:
10 h 07 min
